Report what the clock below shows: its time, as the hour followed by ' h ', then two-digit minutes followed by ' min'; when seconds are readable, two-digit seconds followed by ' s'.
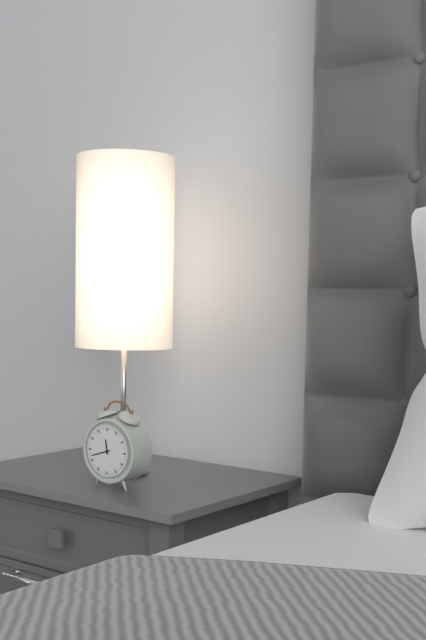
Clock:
11 h 42 min
